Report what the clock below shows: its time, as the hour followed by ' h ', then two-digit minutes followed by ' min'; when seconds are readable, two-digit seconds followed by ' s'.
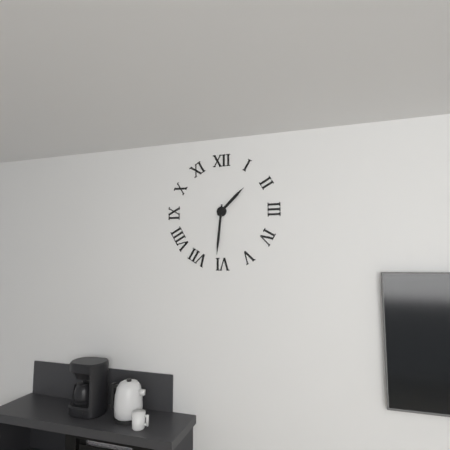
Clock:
1 h 31 min
